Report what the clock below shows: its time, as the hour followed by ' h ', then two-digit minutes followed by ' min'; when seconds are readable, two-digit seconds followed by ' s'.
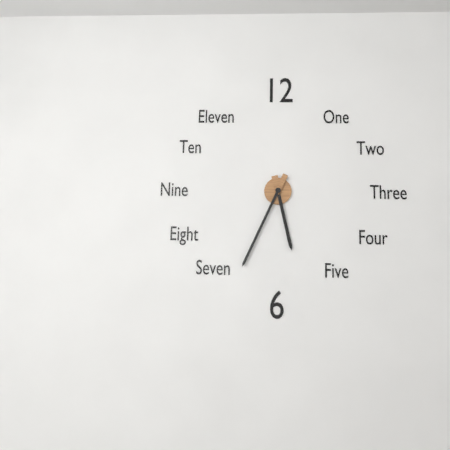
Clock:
5 h 34 min
